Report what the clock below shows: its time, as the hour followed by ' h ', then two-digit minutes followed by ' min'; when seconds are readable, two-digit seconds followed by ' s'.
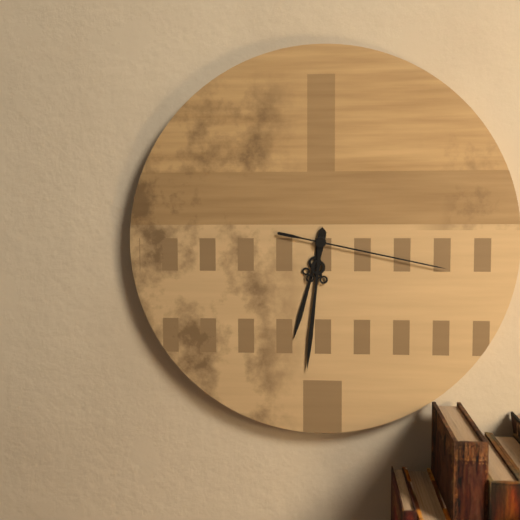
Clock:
6 h 31 min 17 s
